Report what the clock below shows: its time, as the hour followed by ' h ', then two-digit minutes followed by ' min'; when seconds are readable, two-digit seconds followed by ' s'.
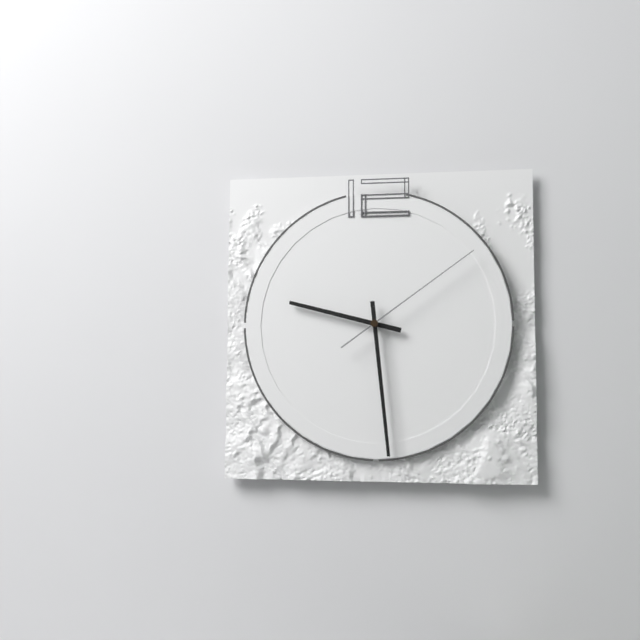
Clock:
9 h 29 min 09 s
